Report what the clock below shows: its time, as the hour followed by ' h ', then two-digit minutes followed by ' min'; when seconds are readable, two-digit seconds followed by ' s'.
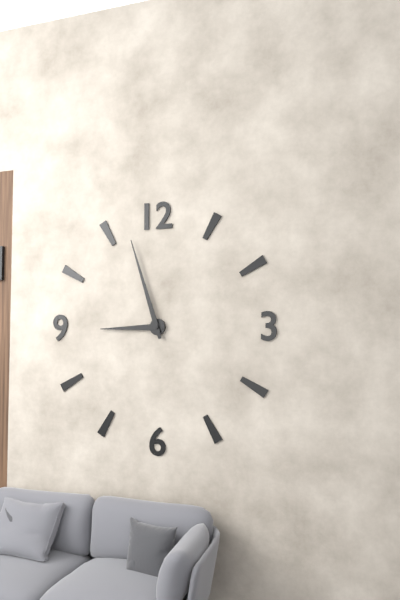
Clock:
8 h 57 min
